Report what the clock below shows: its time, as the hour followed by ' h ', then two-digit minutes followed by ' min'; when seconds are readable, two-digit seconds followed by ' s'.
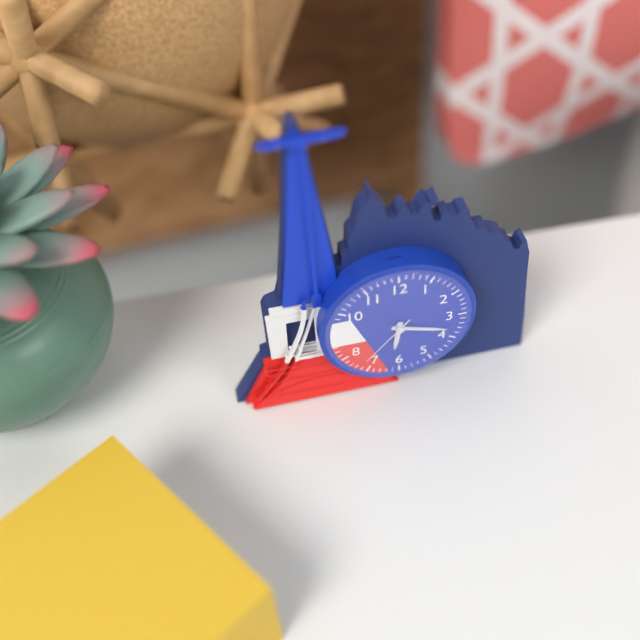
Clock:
6 h 18 min 37 s
